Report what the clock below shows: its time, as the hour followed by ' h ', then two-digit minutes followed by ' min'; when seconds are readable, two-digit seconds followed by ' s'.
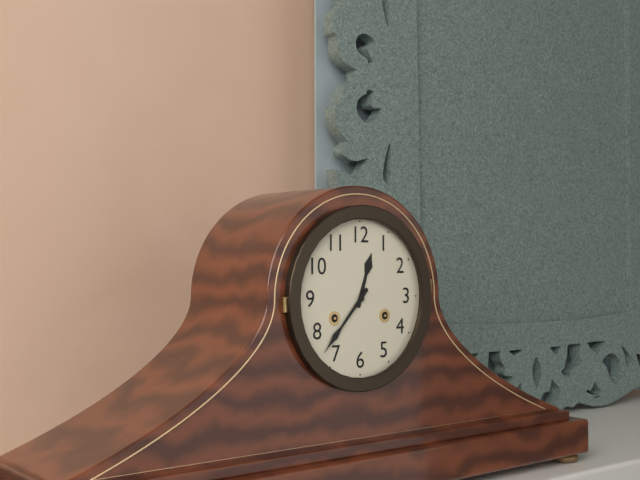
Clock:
12 h 37 min
